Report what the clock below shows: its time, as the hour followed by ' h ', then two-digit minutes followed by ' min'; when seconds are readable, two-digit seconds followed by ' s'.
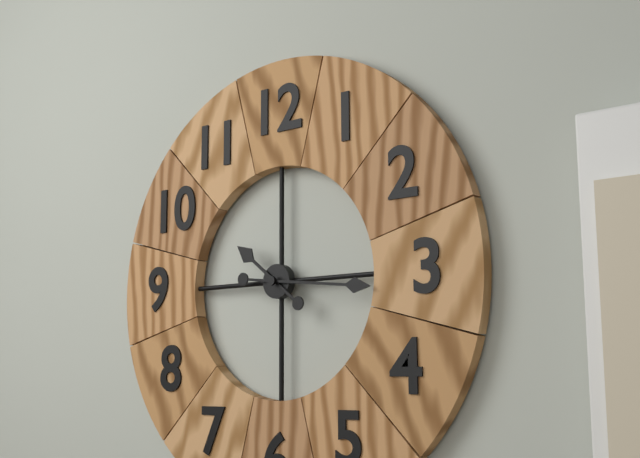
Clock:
10 h 16 min
